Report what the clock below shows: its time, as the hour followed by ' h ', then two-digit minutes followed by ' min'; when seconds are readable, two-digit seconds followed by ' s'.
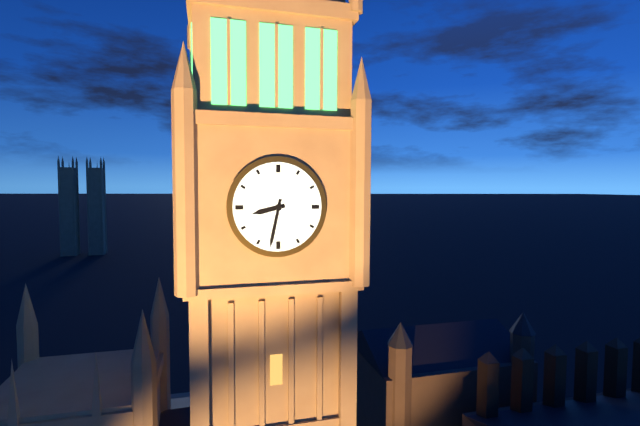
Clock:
8 h 32 min
